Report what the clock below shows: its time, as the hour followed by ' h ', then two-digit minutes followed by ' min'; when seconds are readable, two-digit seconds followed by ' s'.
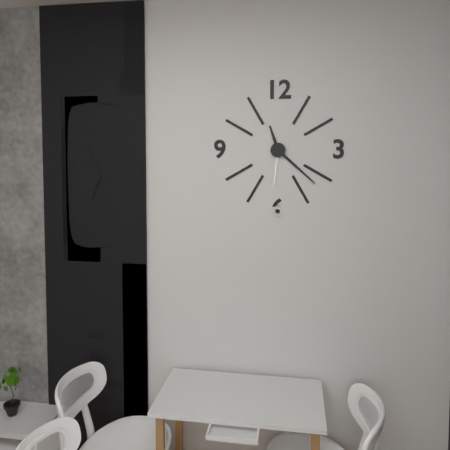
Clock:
11 h 22 min
